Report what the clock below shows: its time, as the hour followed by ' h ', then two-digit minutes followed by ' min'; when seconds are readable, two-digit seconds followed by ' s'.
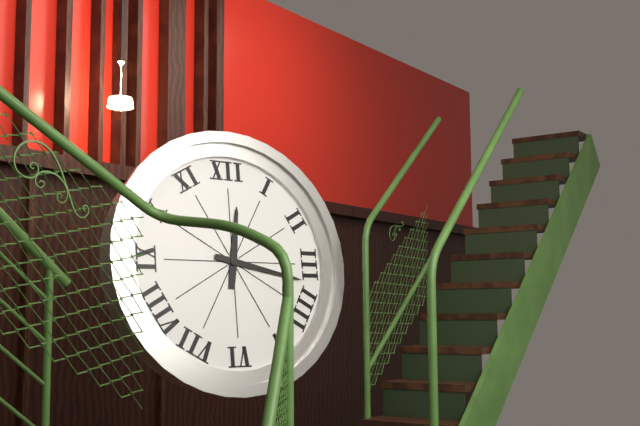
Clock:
12 h 17 min
